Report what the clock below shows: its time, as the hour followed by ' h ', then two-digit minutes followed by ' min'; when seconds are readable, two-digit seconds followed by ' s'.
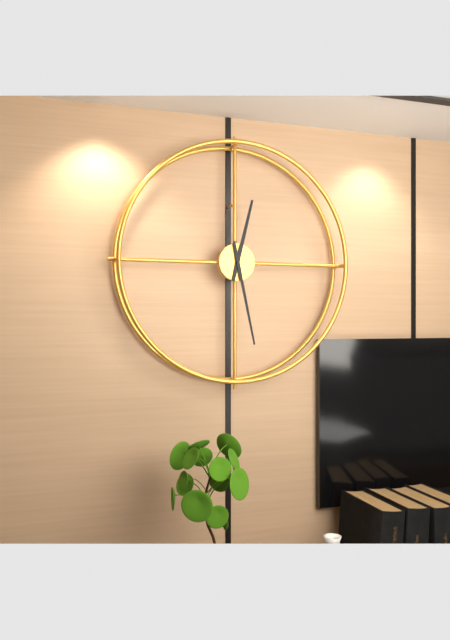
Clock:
12 h 28 min
